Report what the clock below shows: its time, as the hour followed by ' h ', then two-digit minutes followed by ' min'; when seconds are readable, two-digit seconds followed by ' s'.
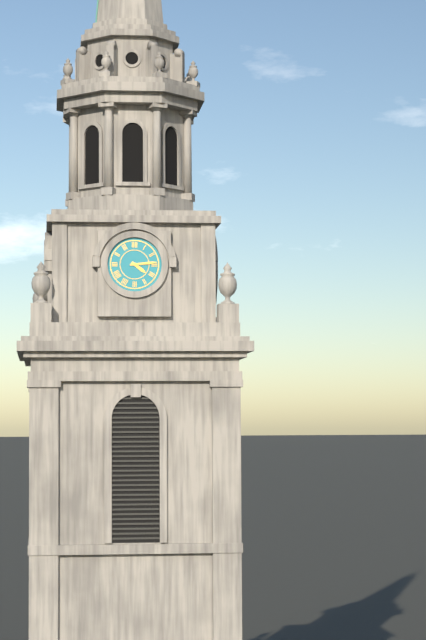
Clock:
4 h 14 min
